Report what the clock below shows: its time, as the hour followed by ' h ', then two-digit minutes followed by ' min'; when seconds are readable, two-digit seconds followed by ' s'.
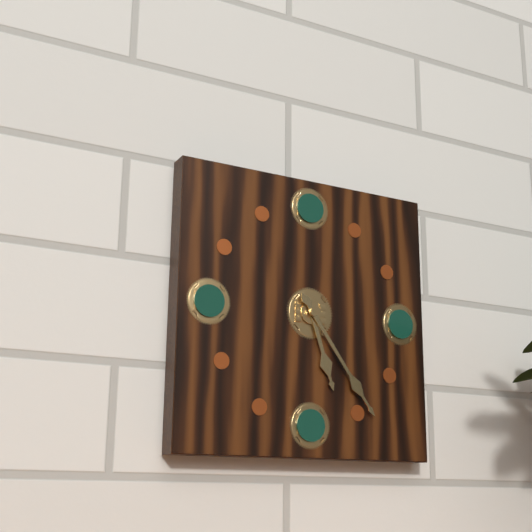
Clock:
5 h 24 min
